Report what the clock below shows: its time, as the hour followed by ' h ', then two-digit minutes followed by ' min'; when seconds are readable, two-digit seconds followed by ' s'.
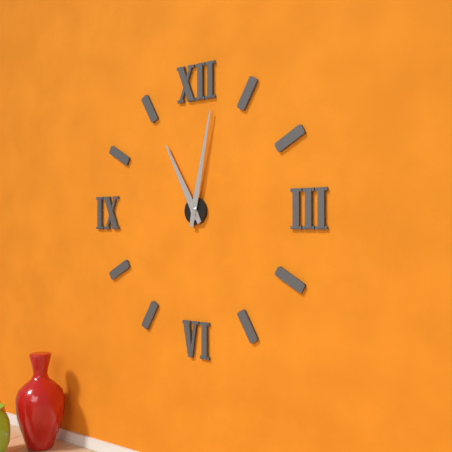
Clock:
11 h 02 min
